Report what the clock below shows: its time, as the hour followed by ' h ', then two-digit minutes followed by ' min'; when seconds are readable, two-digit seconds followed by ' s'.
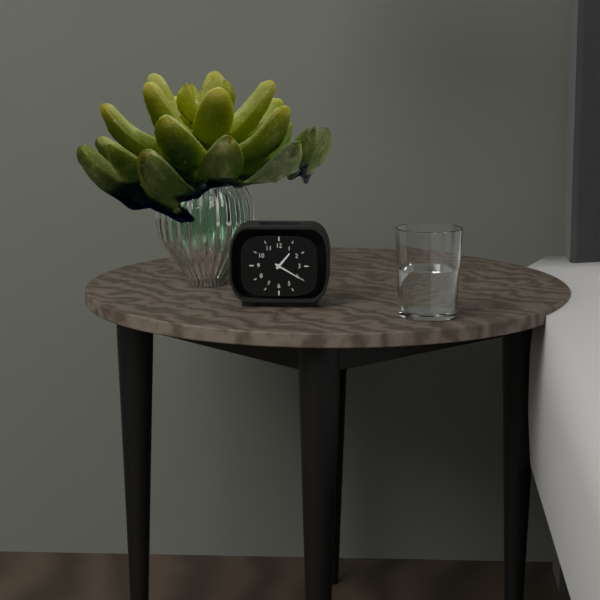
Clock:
1 h 20 min
